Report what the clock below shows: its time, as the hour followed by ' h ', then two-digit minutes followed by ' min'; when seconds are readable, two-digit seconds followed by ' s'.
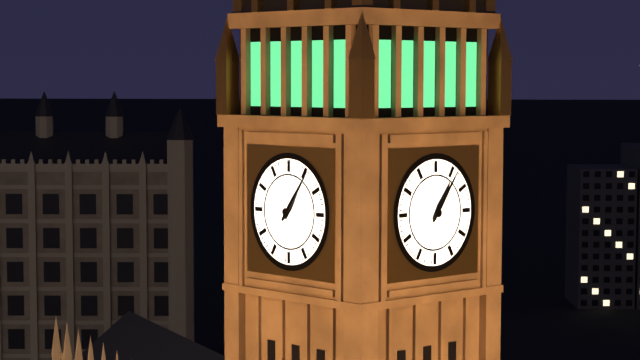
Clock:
1 h 06 min
